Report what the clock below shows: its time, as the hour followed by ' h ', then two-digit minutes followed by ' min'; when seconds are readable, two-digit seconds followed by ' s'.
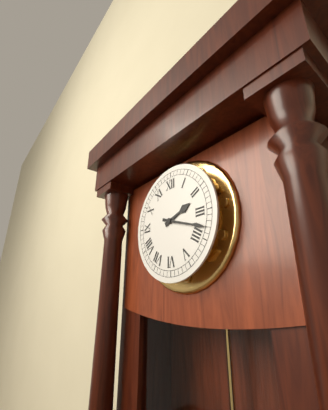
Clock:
2 h 18 min
